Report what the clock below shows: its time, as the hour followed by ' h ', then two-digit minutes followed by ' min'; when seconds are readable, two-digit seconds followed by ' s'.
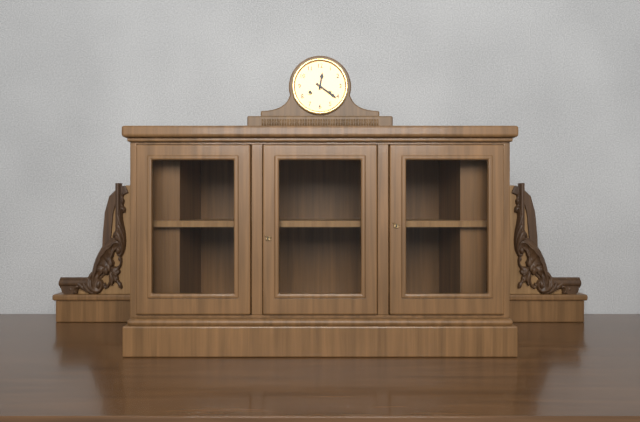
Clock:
12 h 21 min
